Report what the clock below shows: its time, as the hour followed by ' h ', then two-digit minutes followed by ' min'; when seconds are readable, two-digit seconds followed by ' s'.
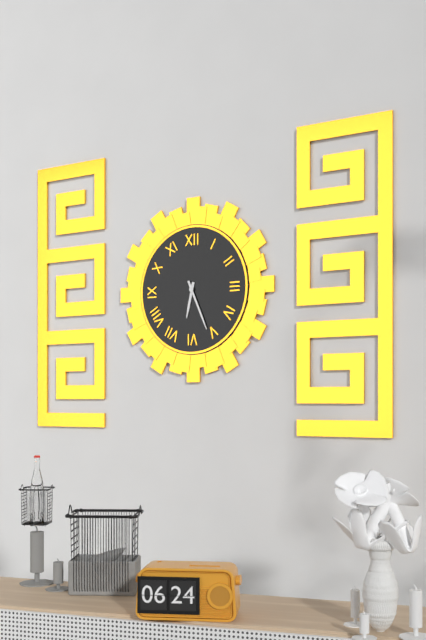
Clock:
6 h 26 min
